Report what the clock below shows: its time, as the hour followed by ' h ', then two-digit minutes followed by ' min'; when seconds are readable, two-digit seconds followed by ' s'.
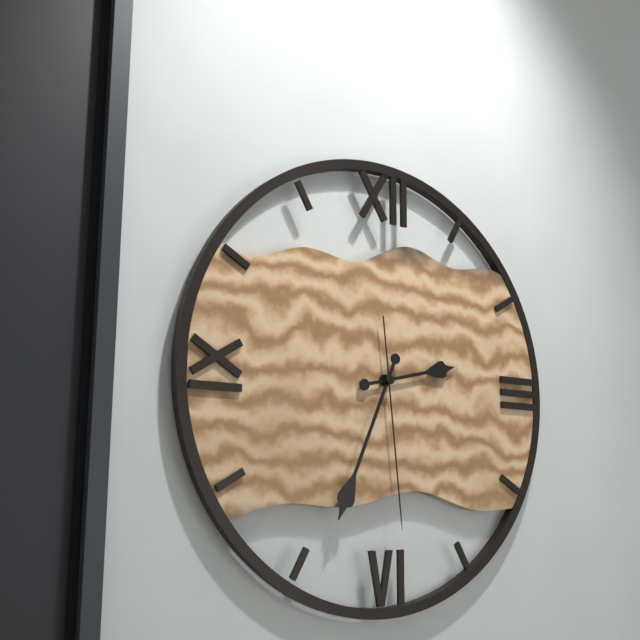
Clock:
2 h 34 min 29 s
